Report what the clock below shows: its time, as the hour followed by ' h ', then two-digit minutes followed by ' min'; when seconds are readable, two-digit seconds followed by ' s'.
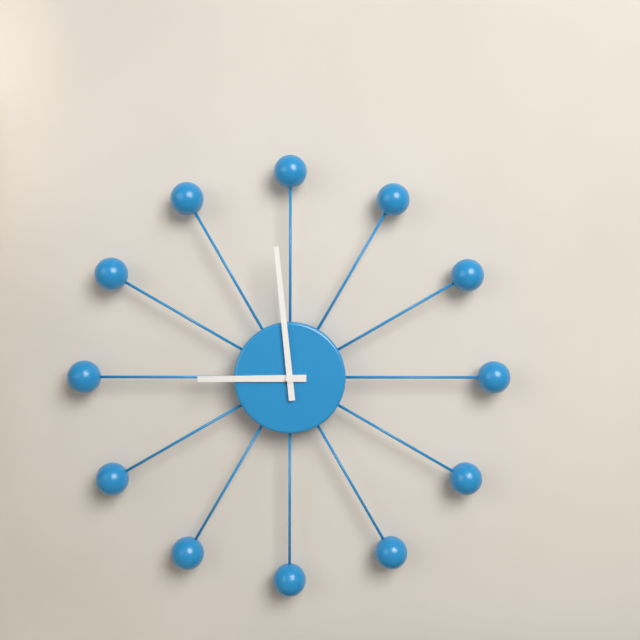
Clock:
8 h 59 min
